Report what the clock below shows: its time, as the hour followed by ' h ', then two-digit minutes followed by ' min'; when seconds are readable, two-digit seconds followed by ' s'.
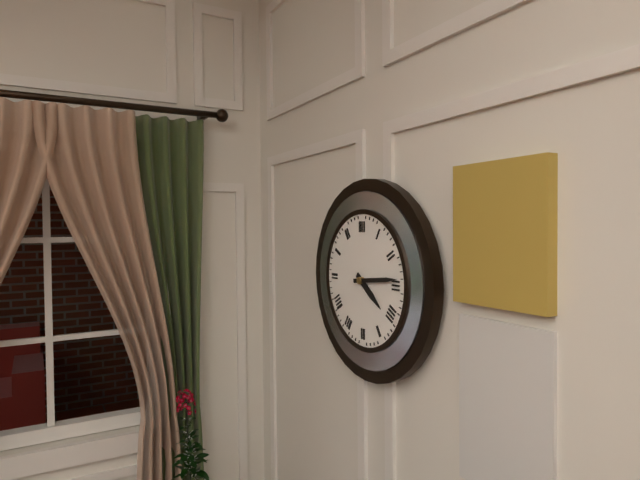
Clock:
4 h 14 min
